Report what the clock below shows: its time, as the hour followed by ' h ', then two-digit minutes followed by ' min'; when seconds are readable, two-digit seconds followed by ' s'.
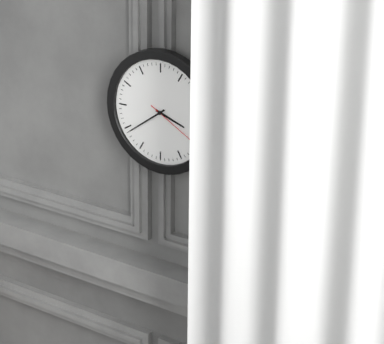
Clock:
3 h 39 min 20 s
